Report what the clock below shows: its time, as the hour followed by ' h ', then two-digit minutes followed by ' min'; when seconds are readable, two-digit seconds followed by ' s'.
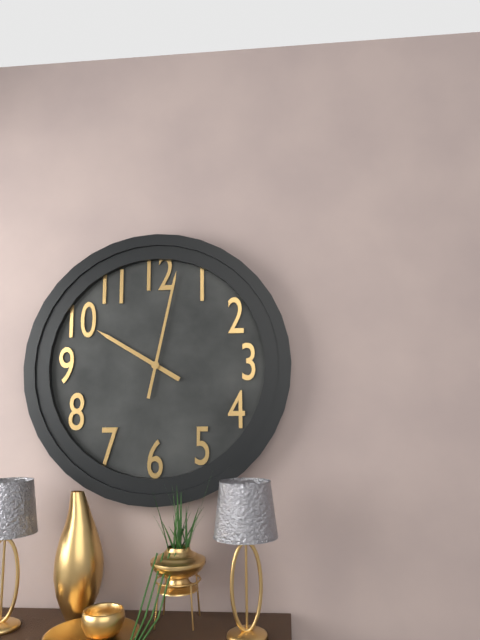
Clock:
10 h 02 min
